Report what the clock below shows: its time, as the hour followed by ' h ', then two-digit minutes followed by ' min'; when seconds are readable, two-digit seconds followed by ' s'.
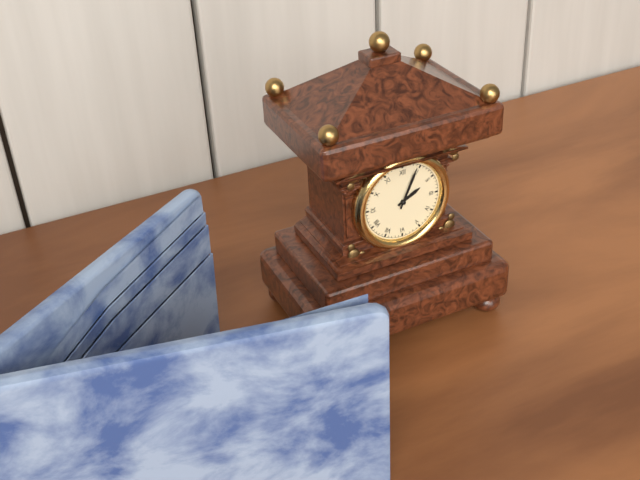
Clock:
2 h 04 min
